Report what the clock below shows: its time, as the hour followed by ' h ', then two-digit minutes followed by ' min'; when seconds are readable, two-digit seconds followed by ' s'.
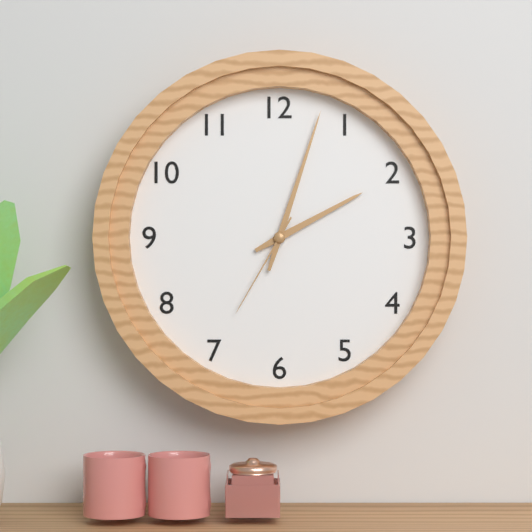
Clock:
2 h 03 min 35 s
